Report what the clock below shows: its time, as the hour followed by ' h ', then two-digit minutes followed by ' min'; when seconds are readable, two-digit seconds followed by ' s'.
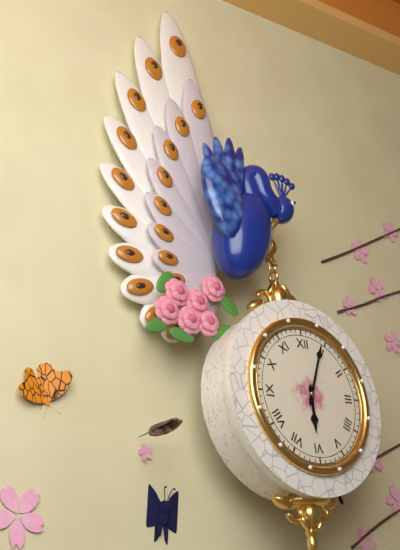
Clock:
6 h 04 min
